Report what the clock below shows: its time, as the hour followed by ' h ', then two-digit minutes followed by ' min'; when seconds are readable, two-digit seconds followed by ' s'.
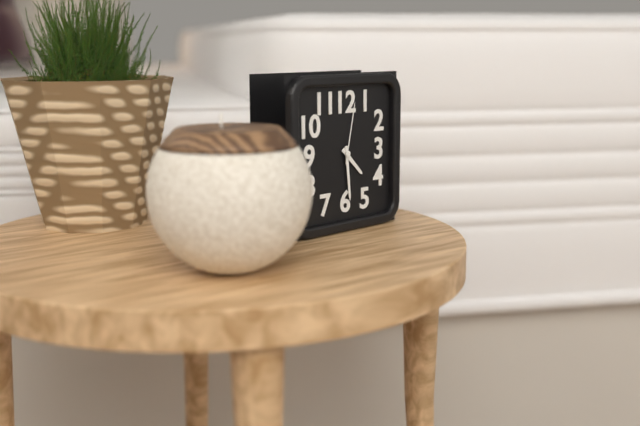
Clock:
4 h 29 min 02 s
